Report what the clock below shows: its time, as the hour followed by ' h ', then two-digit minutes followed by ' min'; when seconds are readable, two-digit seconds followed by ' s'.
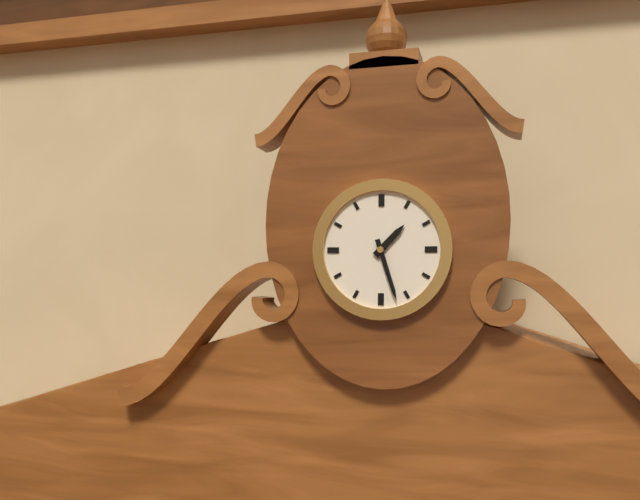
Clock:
1 h 27 min
